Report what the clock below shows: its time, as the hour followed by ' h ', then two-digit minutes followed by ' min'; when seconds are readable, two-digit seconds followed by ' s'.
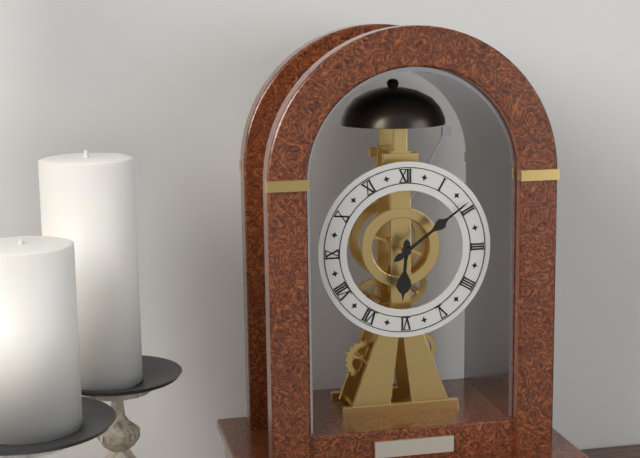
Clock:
6 h 09 min
